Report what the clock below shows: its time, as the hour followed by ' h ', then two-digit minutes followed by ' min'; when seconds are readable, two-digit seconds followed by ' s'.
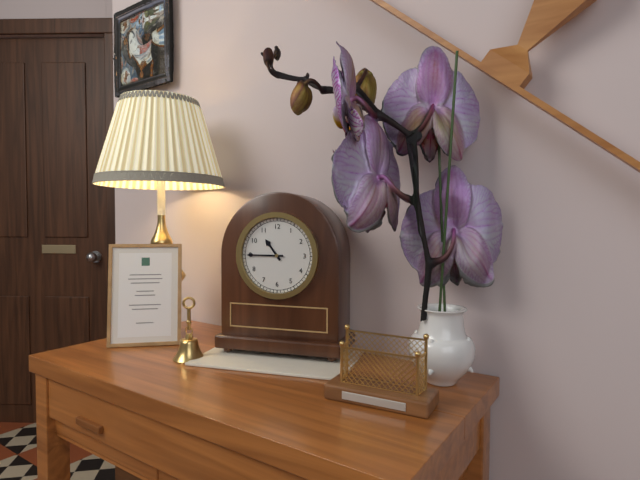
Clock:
10 h 45 min
